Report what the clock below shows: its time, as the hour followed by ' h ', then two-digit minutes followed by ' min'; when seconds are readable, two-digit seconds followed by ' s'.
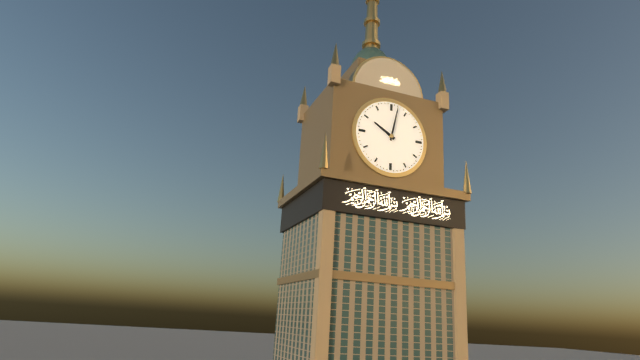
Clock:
10 h 02 min
